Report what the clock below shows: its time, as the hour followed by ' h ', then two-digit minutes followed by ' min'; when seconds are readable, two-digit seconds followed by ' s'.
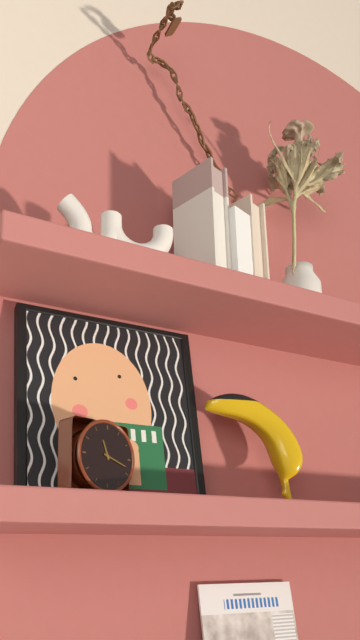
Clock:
11 h 18 min
